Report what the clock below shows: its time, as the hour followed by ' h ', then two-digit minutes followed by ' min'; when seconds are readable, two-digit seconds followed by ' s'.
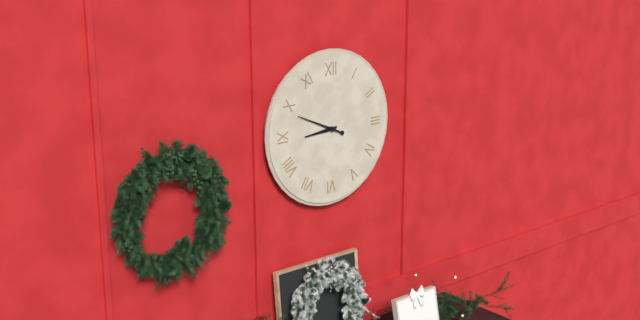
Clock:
8 h 49 min
